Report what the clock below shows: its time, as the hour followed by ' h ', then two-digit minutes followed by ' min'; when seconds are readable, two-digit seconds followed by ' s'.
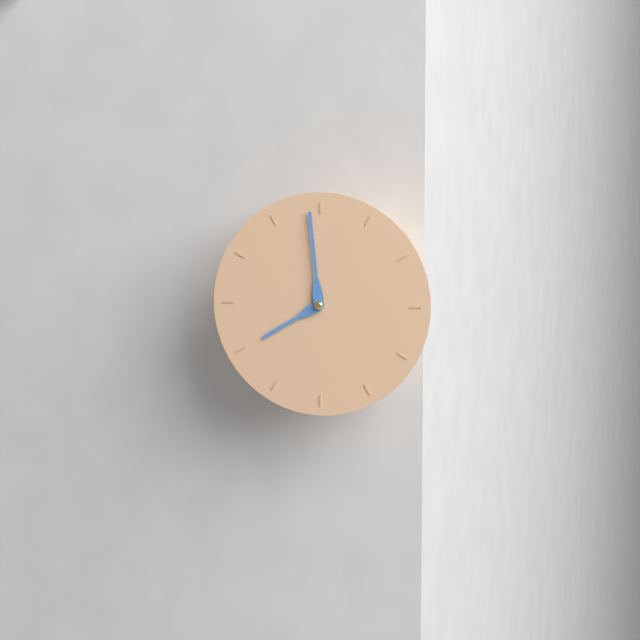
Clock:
7 h 59 min
